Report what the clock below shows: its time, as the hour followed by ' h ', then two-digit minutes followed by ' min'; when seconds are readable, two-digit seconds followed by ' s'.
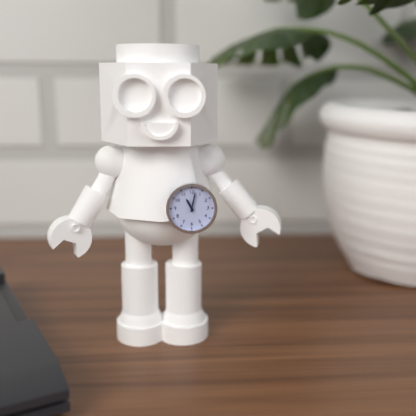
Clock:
11 h 02 min
